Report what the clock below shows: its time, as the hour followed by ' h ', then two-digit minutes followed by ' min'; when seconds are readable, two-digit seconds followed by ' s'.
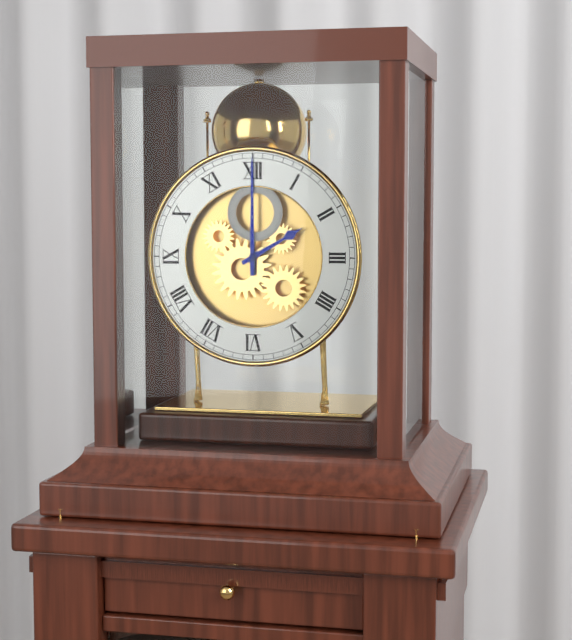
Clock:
2 h 00 min
